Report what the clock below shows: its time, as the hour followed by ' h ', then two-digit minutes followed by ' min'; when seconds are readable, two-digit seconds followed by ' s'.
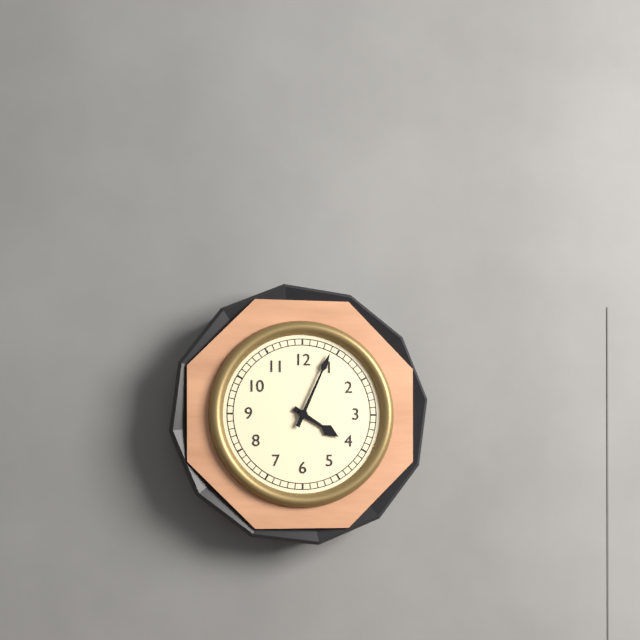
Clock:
4 h 04 min
